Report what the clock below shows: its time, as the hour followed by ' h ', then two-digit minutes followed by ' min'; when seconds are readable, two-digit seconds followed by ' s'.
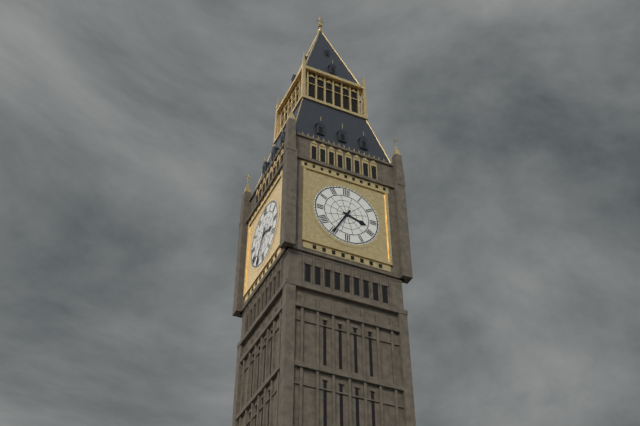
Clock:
3 h 35 min
